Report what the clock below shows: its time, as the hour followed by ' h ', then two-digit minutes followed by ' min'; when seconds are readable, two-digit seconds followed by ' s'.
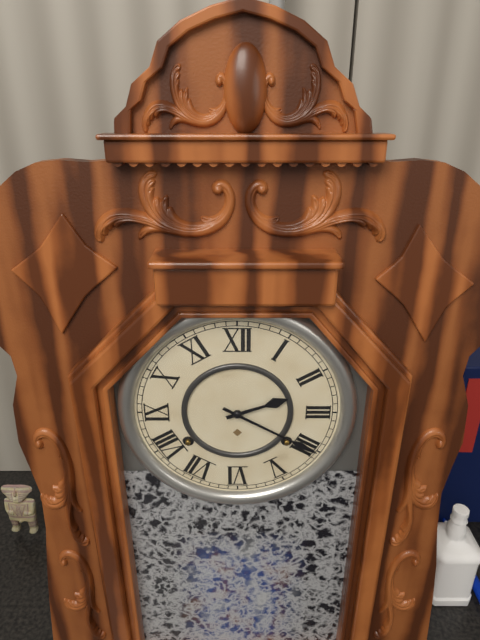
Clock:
2 h 20 min
